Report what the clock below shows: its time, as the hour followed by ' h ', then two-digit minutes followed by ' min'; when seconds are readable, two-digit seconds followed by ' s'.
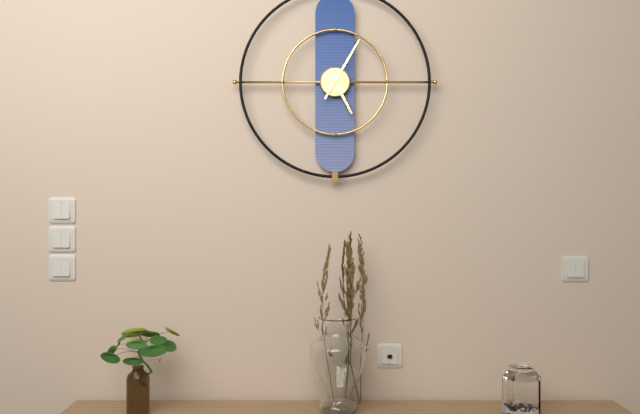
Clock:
5 h 05 min
